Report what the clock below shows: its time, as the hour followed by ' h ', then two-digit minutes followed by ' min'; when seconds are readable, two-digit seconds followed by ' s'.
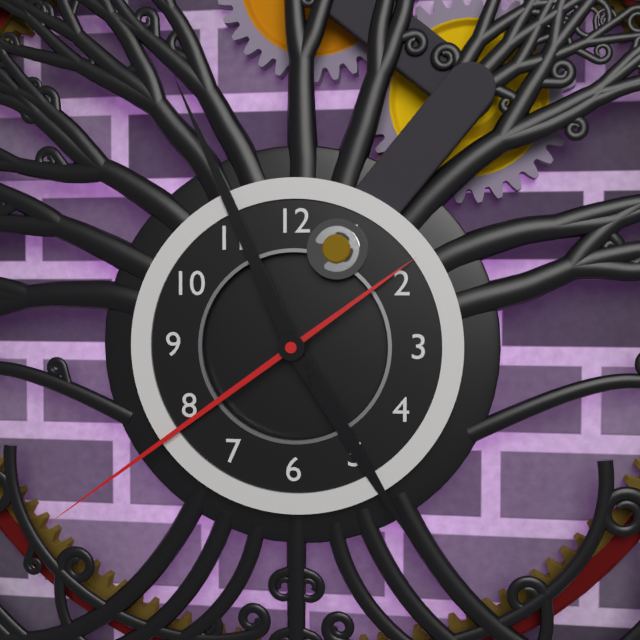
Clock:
4 h 56 min 39 s
